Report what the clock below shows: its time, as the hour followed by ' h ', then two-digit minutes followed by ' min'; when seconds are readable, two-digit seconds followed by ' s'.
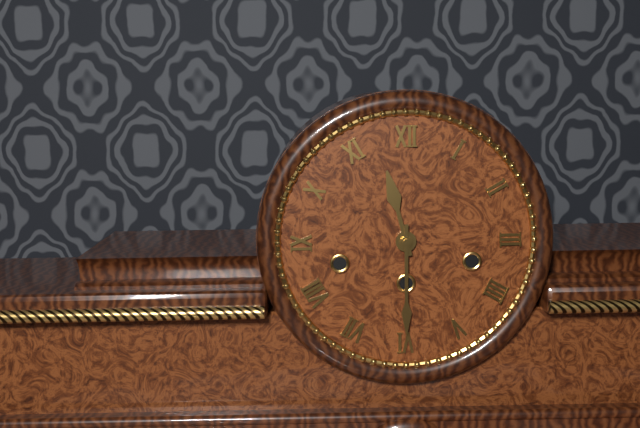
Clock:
11 h 30 min
